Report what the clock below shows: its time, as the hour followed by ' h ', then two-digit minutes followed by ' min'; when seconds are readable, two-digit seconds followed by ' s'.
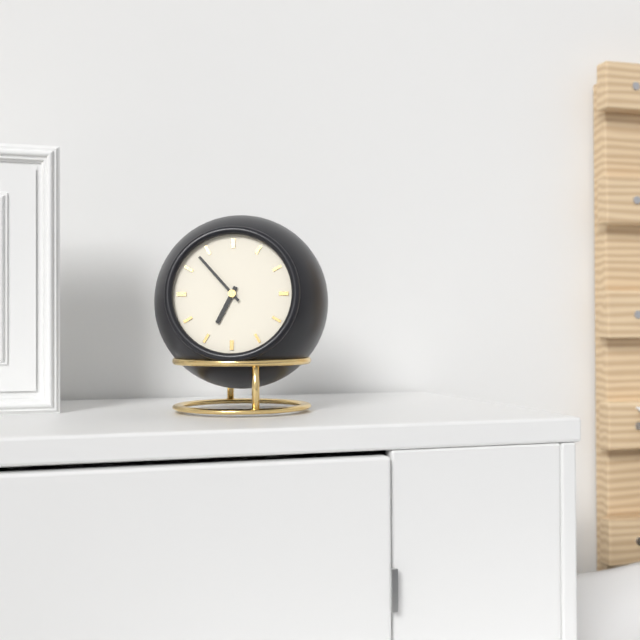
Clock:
6 h 53 min
